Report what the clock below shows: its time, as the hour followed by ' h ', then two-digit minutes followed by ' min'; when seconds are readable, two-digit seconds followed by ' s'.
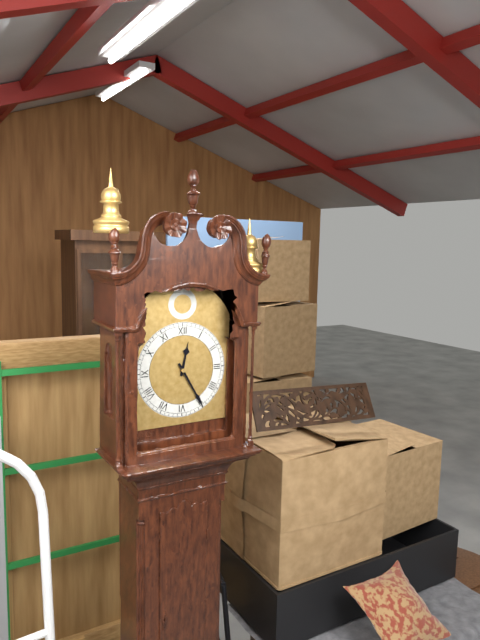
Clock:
12 h 25 min
